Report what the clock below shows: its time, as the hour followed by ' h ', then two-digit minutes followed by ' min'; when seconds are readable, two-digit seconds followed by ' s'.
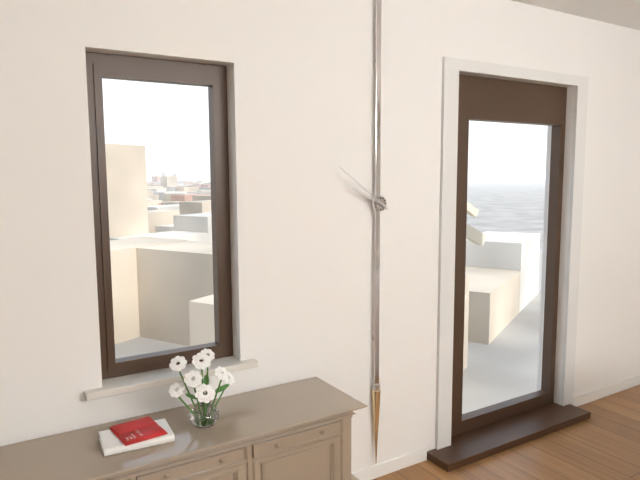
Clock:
9 h 51 min
